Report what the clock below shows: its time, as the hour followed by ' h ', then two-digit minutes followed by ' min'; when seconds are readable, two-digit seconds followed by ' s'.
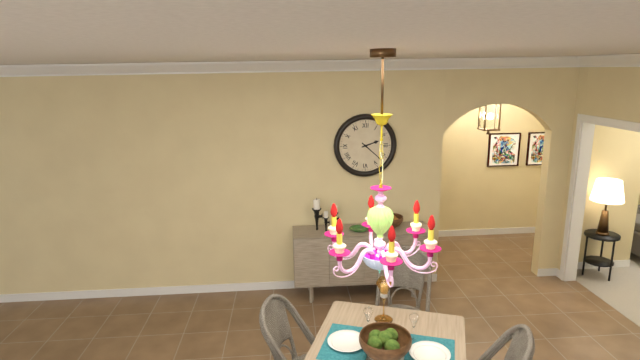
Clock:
2 h 22 min
